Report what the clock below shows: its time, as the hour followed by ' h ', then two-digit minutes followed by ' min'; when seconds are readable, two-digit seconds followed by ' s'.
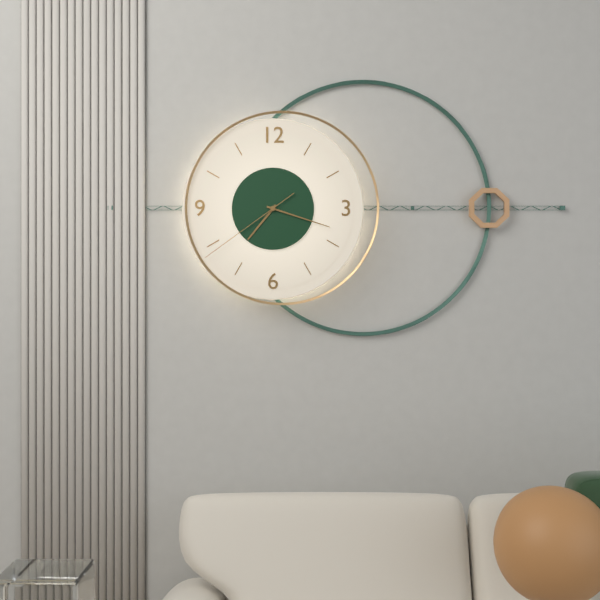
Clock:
7 h 18 min 39 s
